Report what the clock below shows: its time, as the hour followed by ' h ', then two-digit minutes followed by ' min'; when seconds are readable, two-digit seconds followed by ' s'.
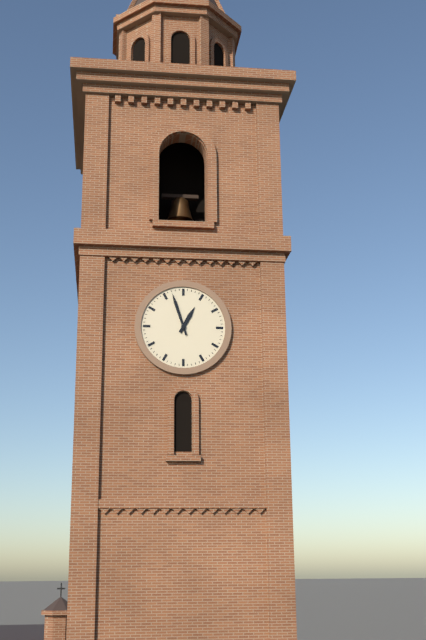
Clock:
12 h 57 min
